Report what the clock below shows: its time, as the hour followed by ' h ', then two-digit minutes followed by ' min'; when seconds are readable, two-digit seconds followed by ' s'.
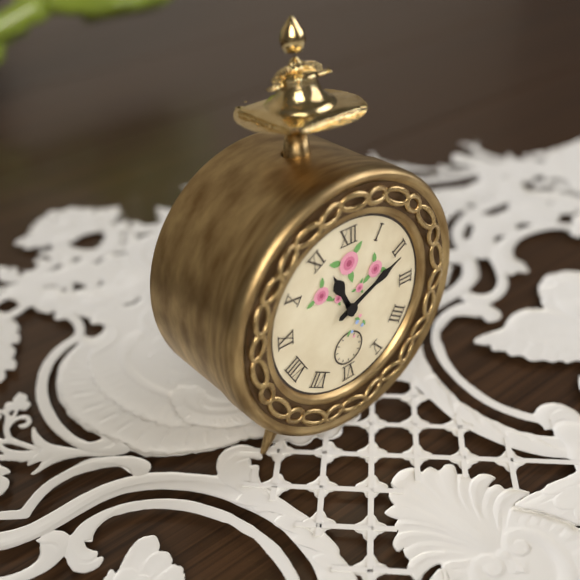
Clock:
11 h 11 min
